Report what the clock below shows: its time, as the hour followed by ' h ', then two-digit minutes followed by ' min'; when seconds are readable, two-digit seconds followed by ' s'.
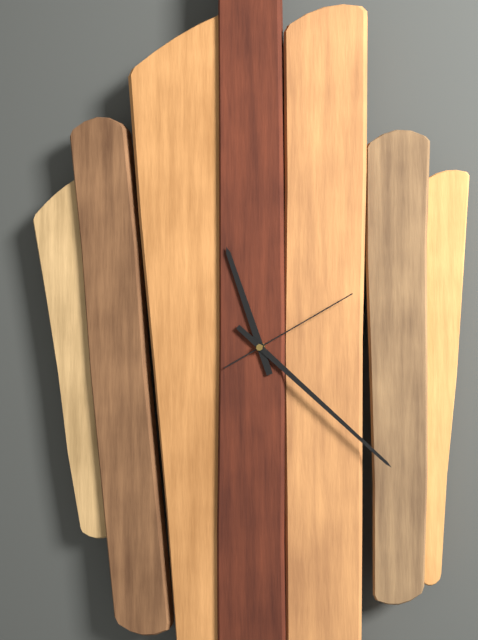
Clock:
11 h 22 min 10 s
